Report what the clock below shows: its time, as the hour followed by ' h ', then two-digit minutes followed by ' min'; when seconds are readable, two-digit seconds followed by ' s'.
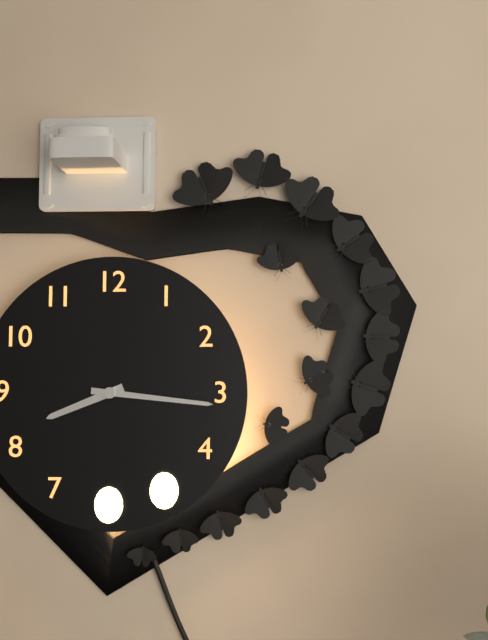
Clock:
8 h 16 min
